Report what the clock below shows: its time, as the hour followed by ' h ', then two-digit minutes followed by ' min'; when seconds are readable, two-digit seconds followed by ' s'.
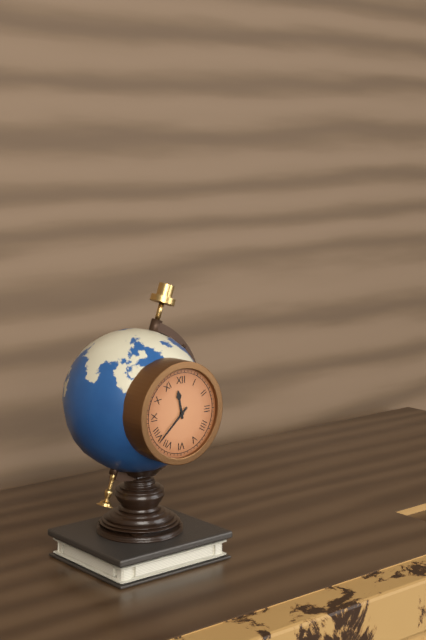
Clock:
11 h 38 min
